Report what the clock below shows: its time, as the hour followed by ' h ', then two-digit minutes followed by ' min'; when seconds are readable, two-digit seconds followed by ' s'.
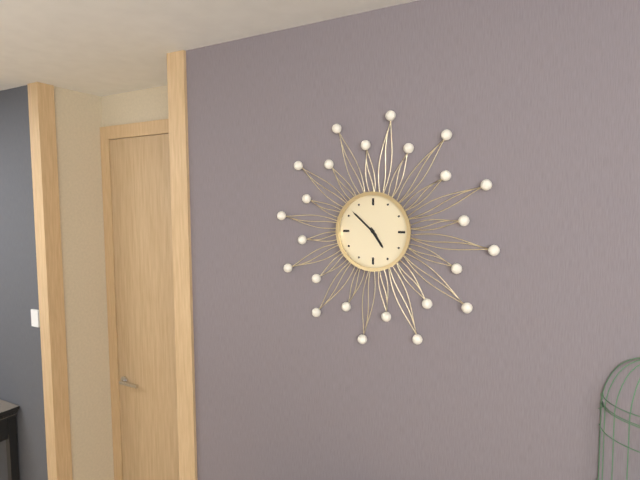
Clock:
4 h 52 min
